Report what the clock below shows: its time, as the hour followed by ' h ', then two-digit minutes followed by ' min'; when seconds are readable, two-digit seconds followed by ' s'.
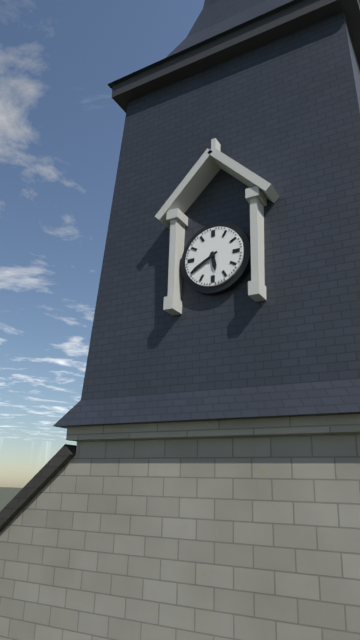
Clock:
5 h 40 min
